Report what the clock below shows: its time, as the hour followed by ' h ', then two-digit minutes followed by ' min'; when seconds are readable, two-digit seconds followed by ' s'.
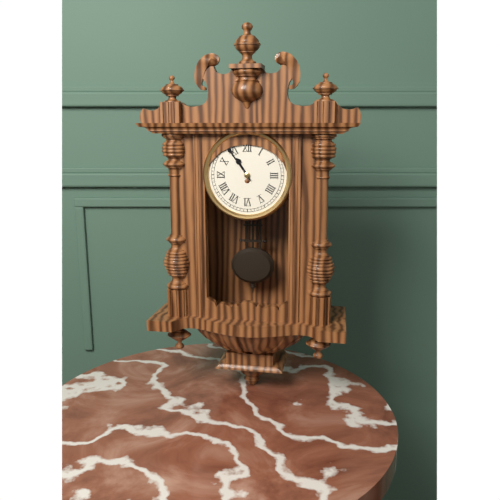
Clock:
10 h 54 min
